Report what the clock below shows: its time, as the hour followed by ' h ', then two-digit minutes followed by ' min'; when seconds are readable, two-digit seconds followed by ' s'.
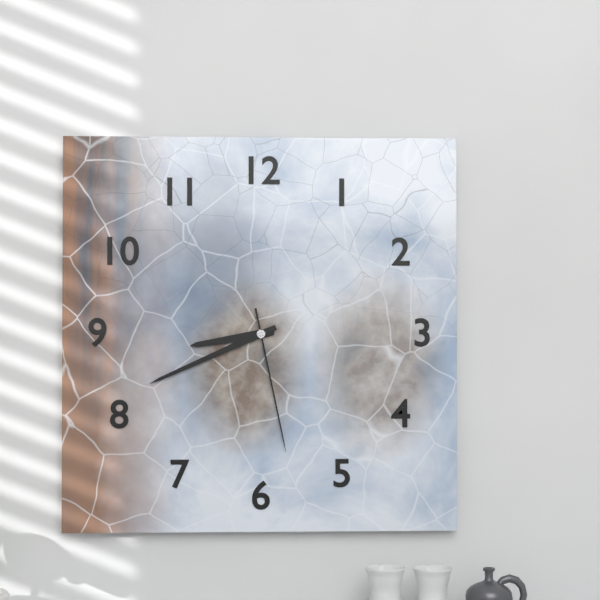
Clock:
8 h 41 min 28 s
